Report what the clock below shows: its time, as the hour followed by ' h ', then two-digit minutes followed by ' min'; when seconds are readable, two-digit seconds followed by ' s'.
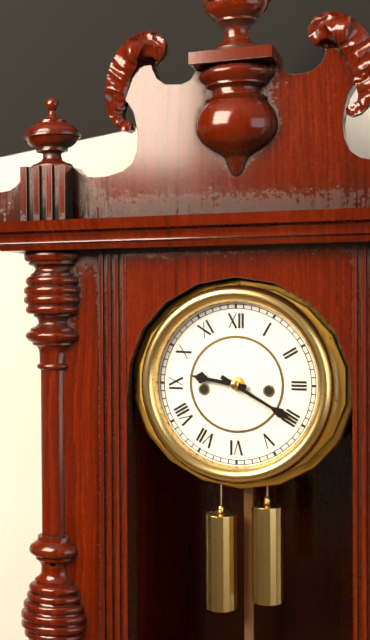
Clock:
9 h 20 min
